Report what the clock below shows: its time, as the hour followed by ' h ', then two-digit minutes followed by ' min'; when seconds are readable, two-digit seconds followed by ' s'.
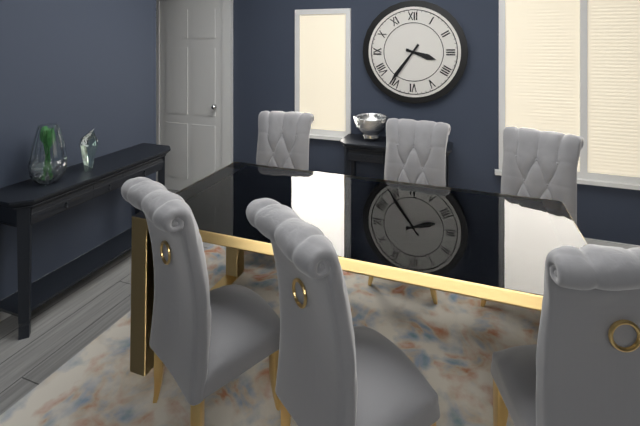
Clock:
3 h 36 min
